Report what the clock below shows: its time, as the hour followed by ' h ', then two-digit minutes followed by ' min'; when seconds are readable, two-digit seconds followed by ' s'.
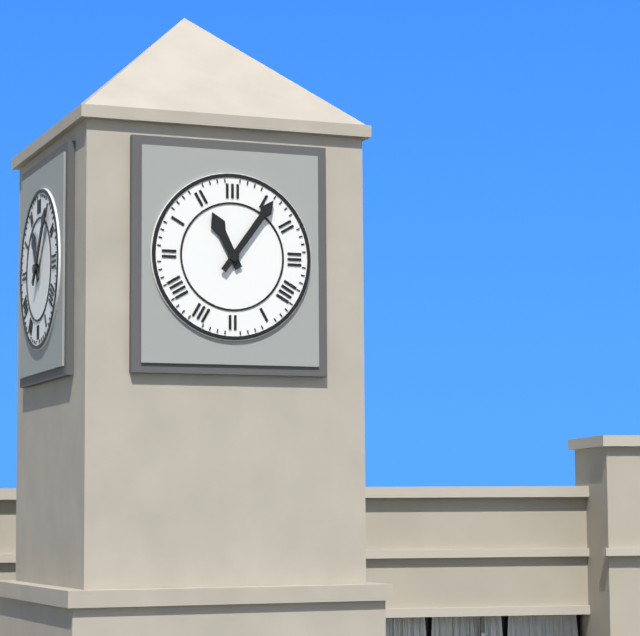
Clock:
11 h 06 min
